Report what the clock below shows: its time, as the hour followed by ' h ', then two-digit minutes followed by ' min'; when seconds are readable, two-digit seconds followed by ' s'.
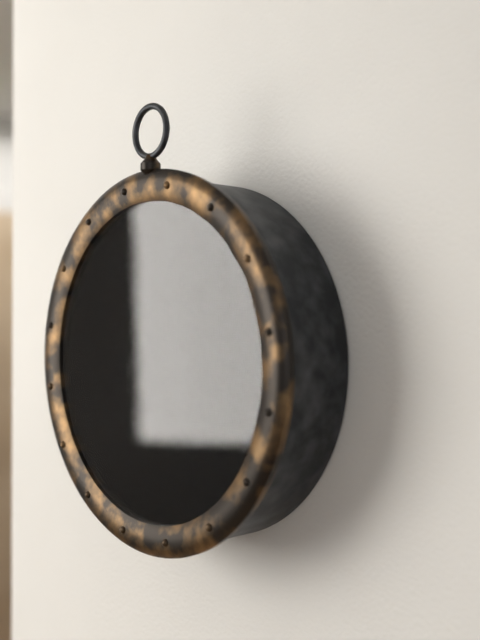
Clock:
5 h 03 min
